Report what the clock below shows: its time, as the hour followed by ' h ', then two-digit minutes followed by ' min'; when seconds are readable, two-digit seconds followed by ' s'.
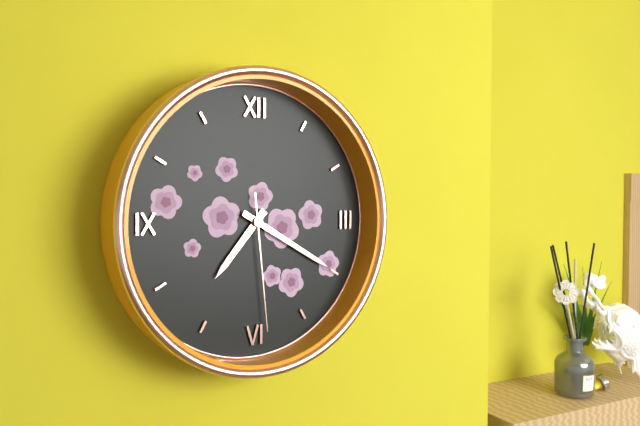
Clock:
7 h 20 min 29 s
